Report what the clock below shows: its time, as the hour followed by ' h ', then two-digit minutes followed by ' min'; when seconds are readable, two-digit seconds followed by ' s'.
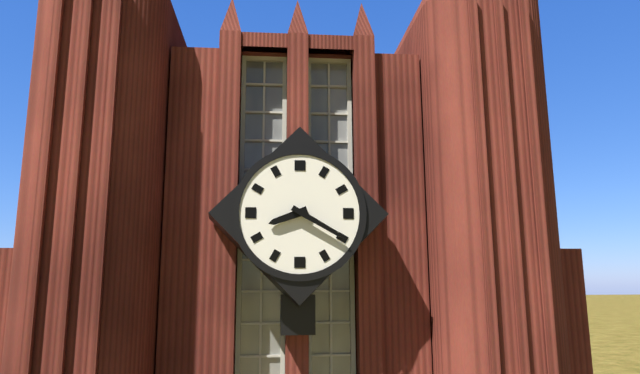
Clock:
8 h 20 min
